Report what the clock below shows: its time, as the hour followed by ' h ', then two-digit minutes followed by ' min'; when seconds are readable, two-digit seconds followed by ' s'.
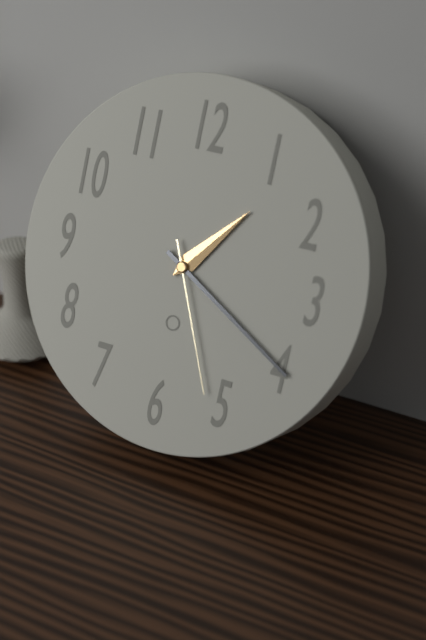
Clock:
1 h 20 min 26 s
